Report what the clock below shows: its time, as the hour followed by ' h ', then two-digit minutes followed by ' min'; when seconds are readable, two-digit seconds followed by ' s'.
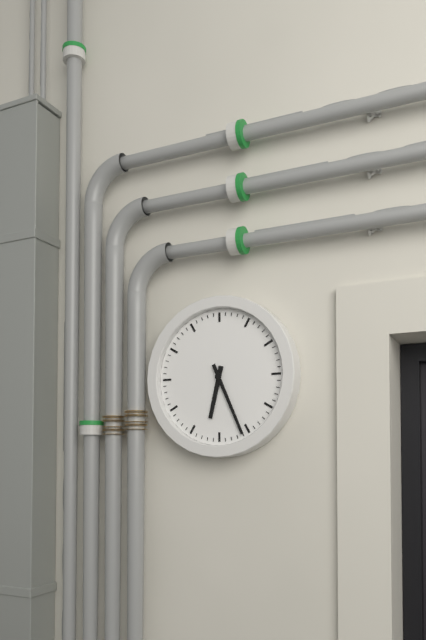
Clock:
6 h 26 min
